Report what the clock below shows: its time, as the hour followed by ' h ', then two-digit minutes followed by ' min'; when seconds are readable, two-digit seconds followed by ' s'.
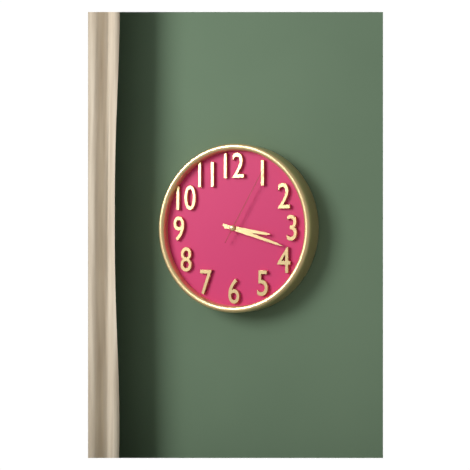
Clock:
3 h 18 min 05 s
